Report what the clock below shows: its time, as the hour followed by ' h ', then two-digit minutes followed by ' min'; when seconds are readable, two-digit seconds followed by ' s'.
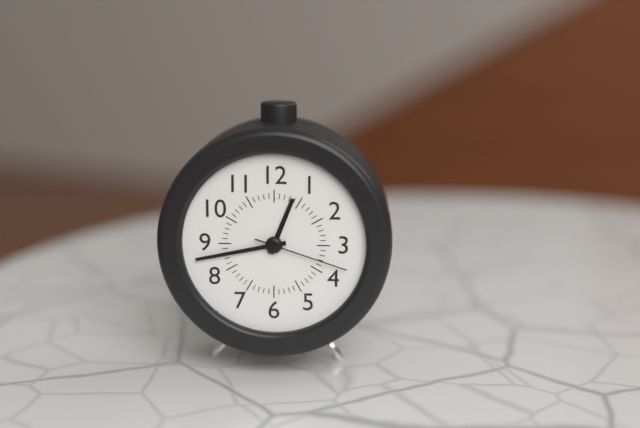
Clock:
12 h 43 min 18 s
